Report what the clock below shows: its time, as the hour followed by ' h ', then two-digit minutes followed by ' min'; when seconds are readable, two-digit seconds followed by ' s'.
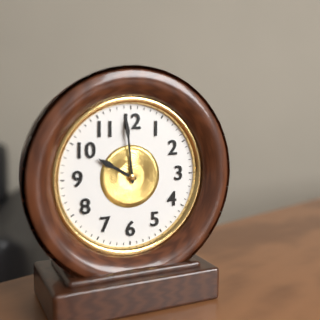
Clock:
9 h 59 min
